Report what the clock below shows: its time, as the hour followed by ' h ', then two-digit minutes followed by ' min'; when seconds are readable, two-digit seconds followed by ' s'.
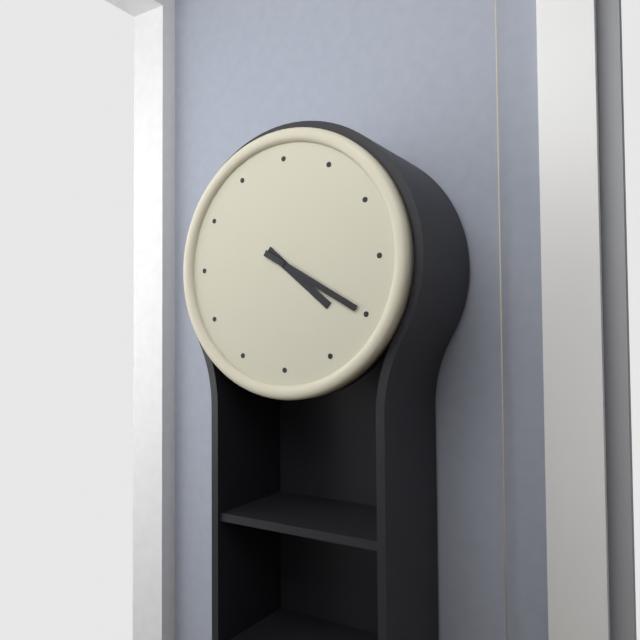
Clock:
4 h 20 min
